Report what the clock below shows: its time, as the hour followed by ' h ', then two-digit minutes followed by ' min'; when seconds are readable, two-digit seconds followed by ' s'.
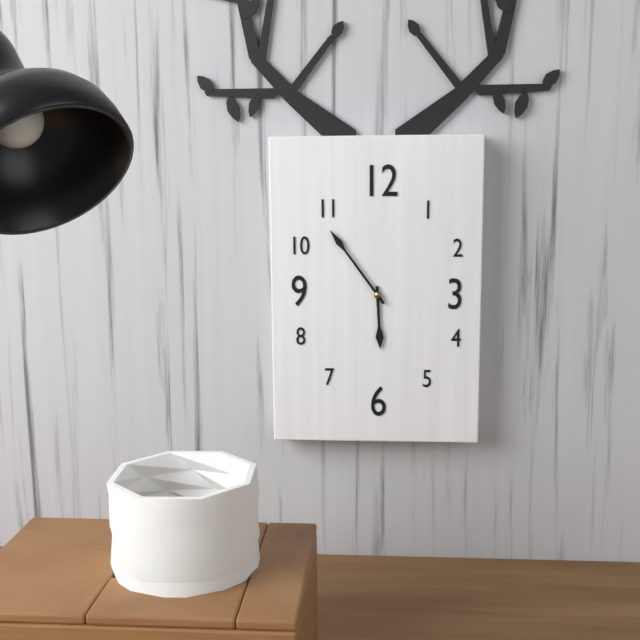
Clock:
5 h 54 min
